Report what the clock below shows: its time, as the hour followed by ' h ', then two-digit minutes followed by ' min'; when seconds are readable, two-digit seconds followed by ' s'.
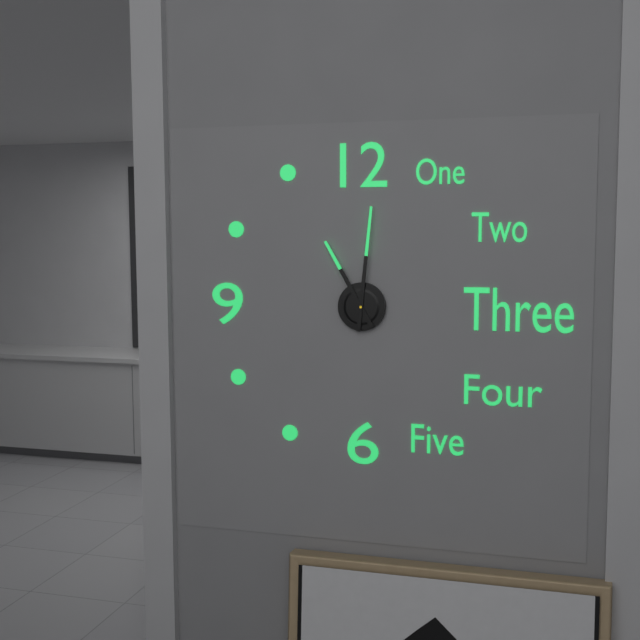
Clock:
11 h 01 min
